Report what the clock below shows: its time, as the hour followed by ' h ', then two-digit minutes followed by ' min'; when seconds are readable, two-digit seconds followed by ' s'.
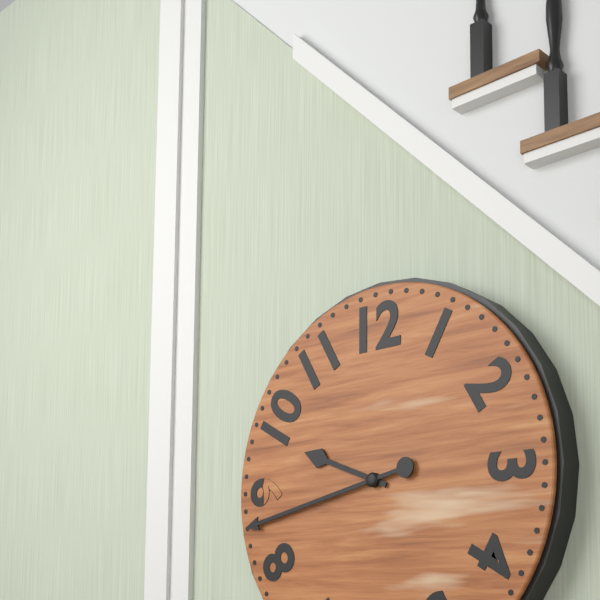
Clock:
9 h 43 min
